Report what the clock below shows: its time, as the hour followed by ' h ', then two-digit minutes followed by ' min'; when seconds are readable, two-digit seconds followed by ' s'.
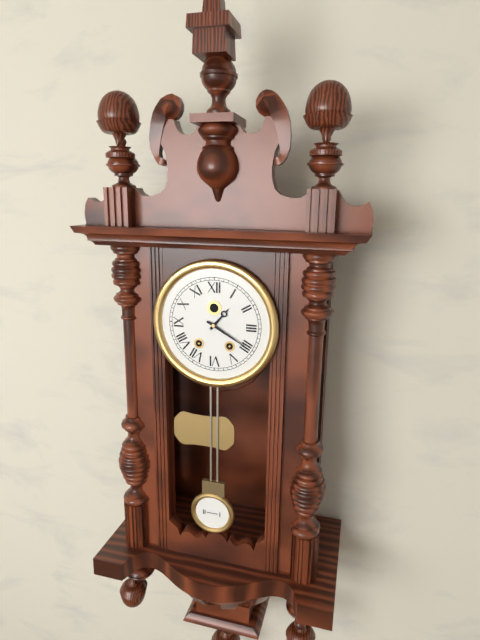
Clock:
1 h 20 min
